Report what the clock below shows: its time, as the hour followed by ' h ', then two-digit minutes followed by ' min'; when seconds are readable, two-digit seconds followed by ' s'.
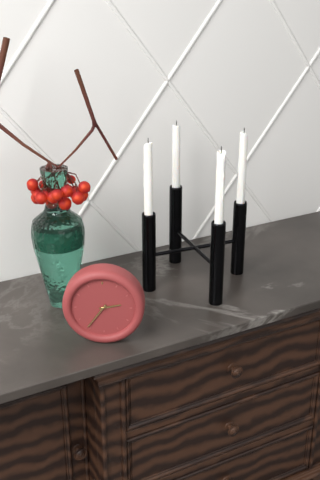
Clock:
2 h 36 min
